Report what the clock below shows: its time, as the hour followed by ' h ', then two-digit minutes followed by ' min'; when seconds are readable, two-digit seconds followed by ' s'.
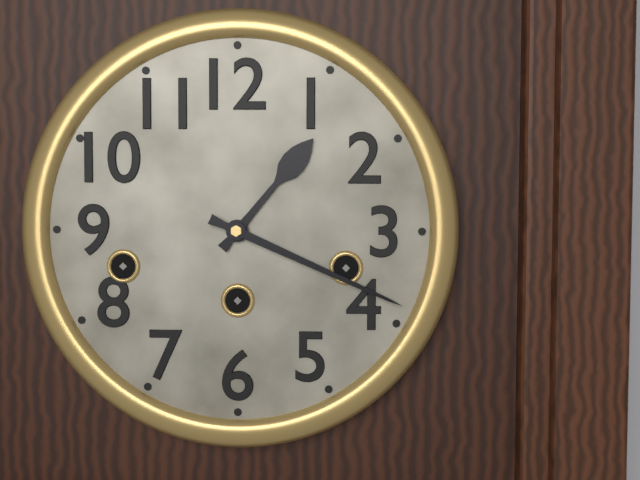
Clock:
1 h 19 min
